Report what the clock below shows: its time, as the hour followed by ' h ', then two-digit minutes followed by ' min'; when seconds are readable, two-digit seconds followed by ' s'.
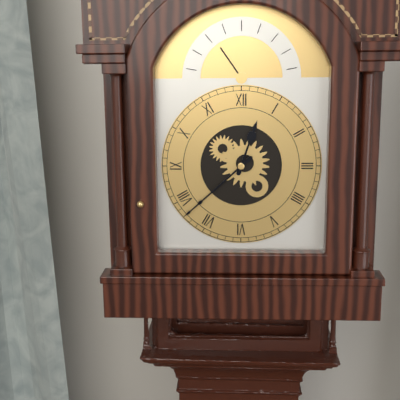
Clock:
12 h 38 min
